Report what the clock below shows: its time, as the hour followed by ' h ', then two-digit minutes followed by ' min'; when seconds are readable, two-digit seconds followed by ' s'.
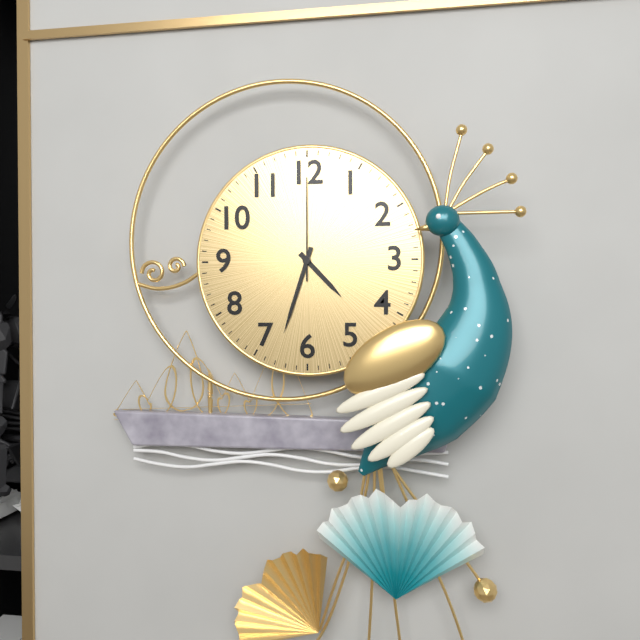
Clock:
4 h 33 min 00 s
